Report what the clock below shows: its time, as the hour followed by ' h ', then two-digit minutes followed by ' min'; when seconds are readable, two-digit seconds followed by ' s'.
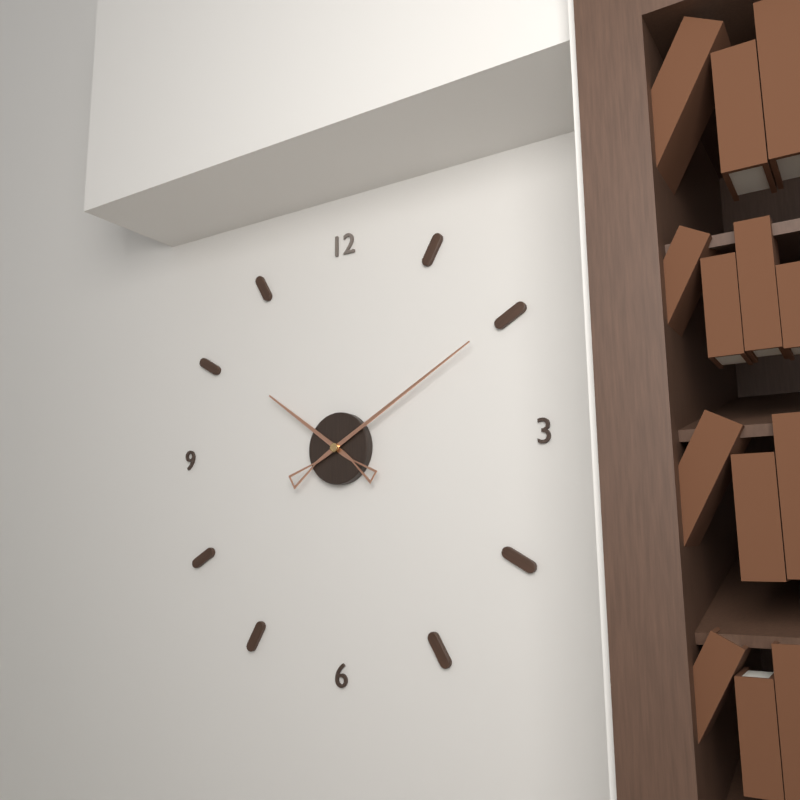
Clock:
10 h 10 min
